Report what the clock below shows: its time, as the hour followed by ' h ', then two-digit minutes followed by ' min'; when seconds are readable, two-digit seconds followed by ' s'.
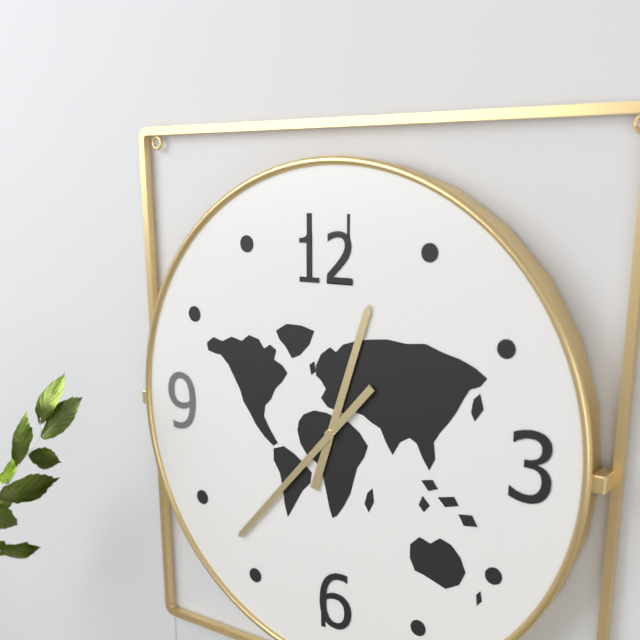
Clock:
12 h 37 min
